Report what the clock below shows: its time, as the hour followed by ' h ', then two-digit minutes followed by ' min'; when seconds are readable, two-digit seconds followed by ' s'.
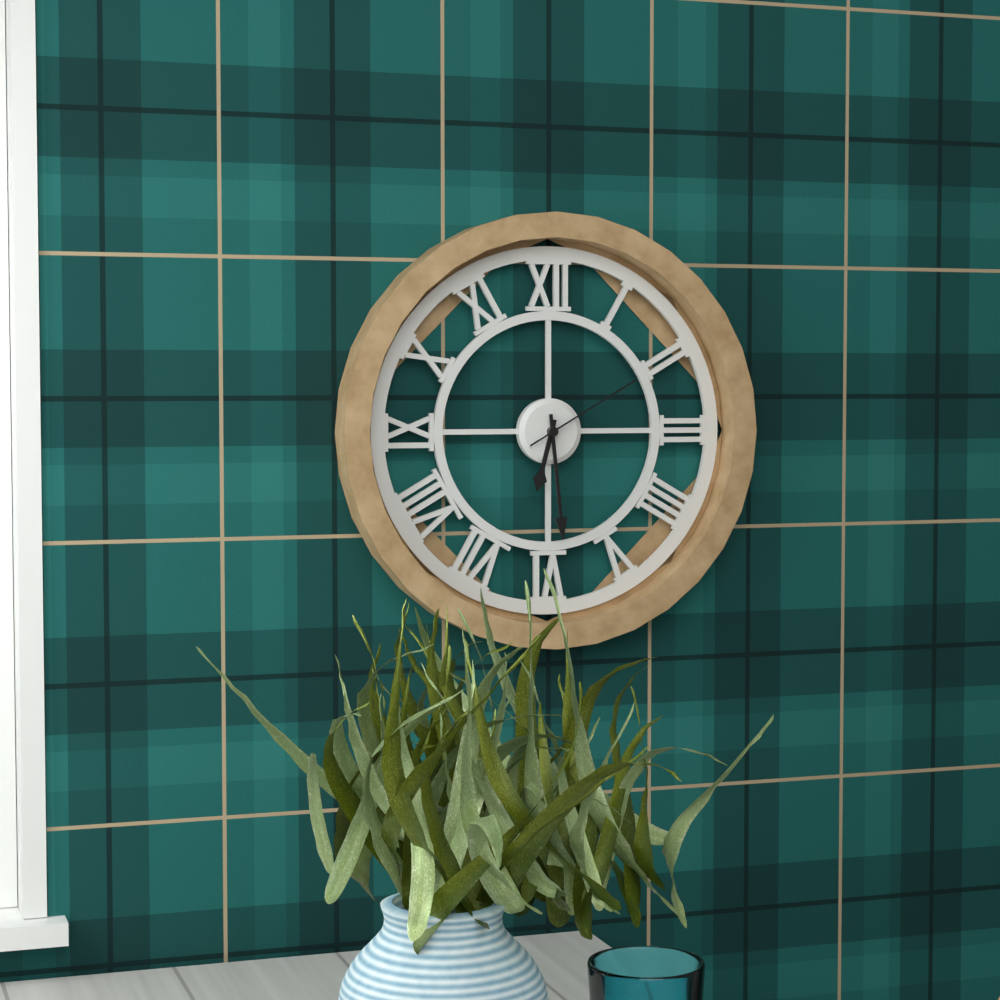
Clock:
6 h 29 min 10 s
